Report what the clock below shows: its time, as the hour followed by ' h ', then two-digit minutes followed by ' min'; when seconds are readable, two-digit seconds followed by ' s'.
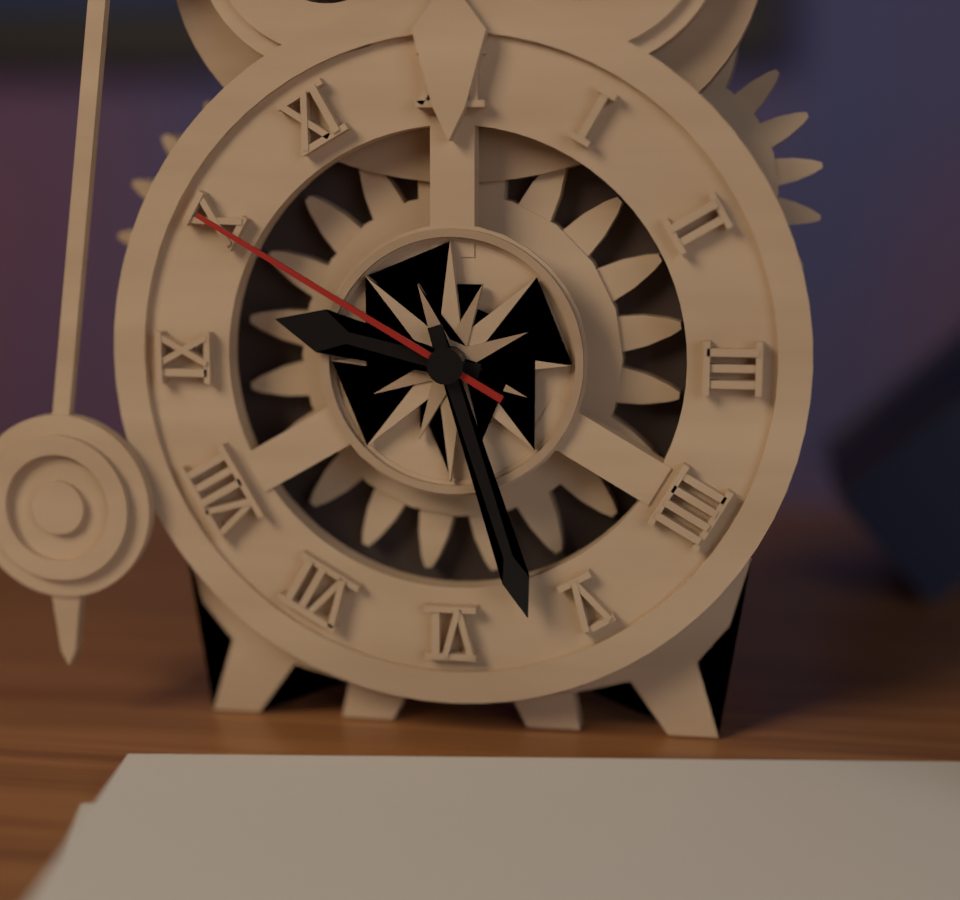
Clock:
9 h 27 min 50 s
